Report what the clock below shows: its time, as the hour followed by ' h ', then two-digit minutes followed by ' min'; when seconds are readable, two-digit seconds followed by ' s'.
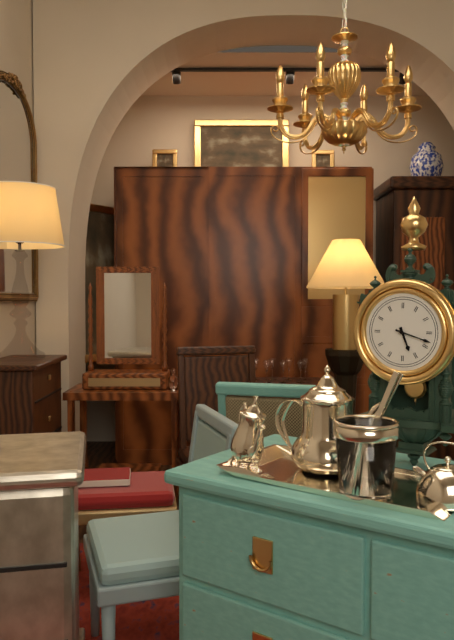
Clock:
5 h 18 min
